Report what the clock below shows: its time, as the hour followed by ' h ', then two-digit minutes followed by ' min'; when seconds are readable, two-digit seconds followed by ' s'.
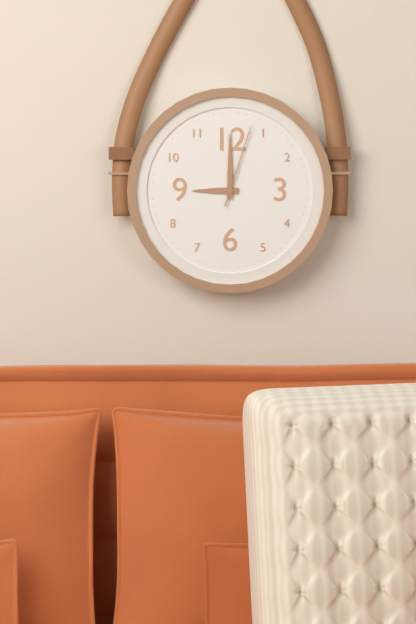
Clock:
9 h 00 min 03 s
